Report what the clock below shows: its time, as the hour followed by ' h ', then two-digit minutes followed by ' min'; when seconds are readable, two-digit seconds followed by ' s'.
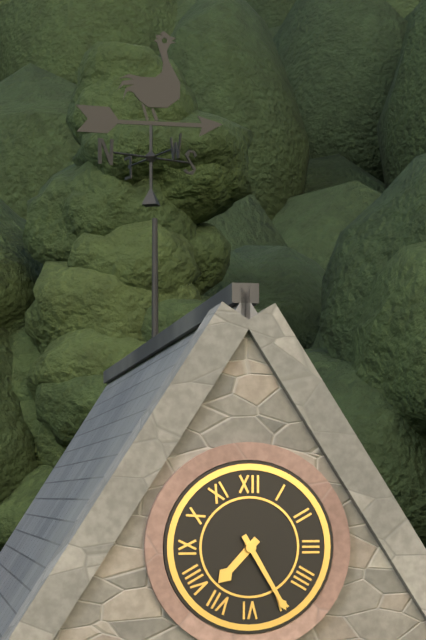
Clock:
7 h 25 min
